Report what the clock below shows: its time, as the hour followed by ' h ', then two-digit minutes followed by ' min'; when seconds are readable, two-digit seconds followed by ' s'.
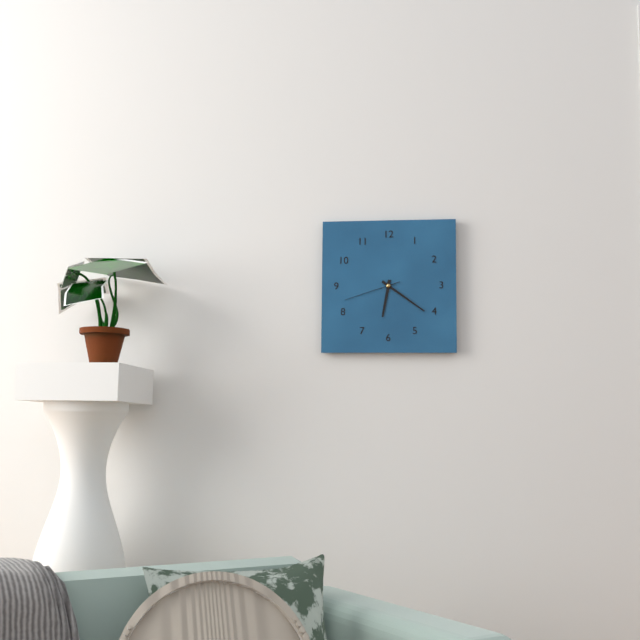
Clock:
6 h 21 min 42 s
